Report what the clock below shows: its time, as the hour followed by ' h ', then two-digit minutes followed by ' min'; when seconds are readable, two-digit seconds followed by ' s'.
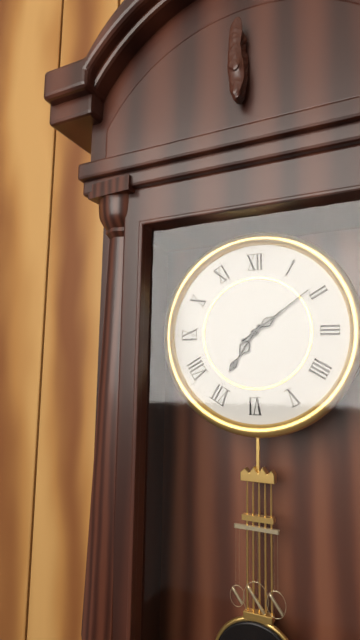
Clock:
7 h 09 min
